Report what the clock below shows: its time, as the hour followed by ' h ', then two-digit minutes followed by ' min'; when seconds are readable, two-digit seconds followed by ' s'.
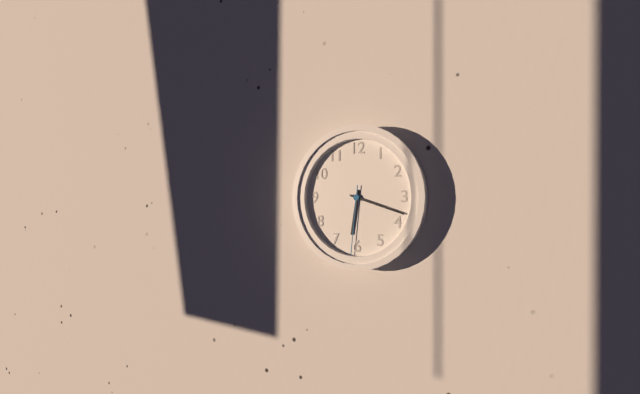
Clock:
6 h 18 min 31 s
